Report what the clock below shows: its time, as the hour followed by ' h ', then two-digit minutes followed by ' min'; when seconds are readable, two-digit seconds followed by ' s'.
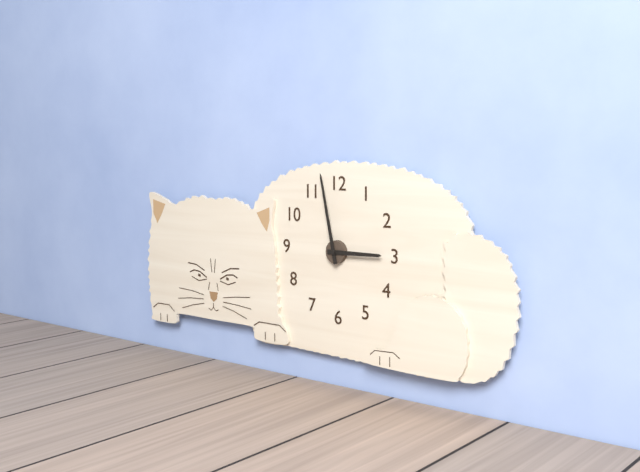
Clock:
2 h 58 min
